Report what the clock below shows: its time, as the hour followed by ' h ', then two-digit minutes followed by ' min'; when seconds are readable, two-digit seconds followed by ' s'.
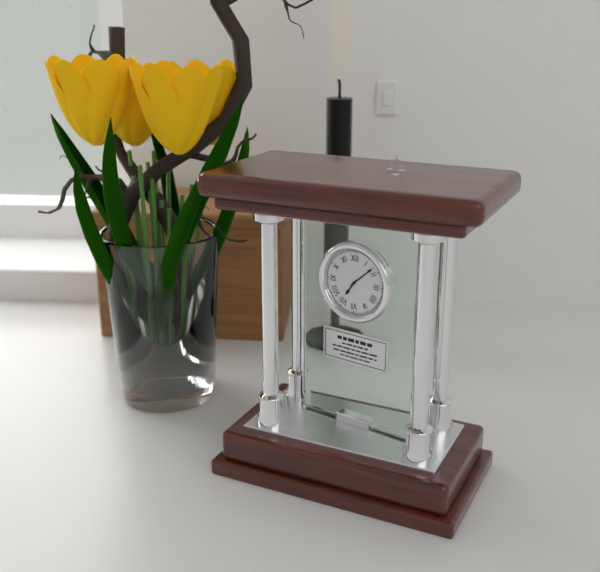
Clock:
7 h 08 min
